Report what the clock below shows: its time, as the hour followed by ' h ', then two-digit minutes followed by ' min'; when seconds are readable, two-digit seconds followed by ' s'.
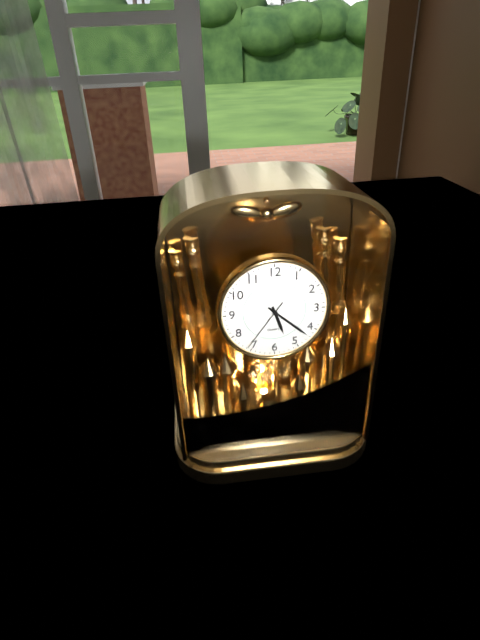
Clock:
5 h 22 min 36 s
